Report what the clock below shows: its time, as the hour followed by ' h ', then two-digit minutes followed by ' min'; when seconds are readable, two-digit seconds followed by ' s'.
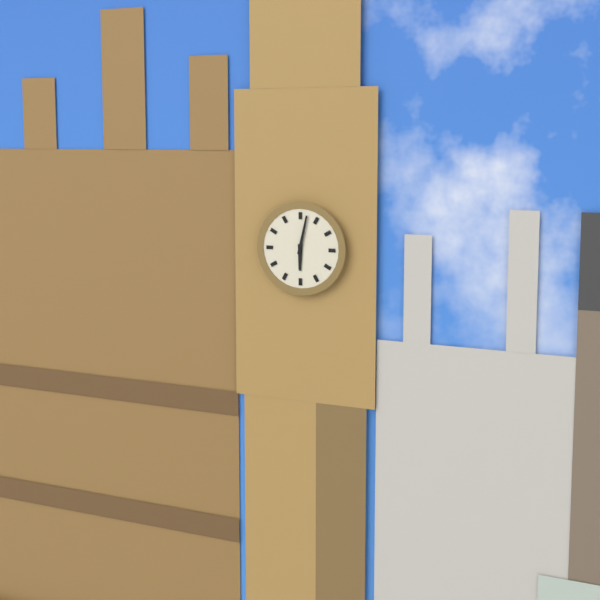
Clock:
6 h 02 min
